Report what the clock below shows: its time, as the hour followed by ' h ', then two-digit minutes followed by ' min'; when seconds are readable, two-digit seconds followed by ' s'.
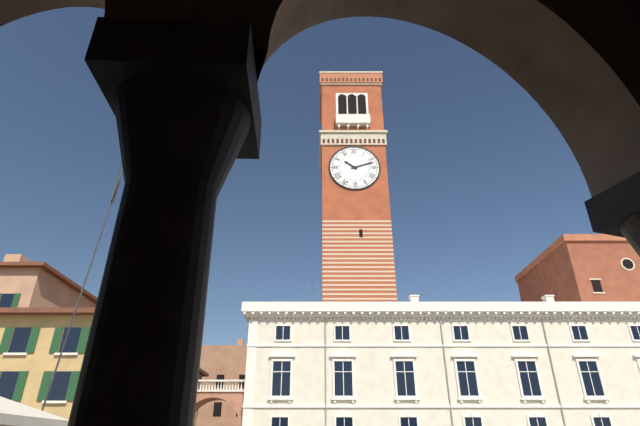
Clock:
10 h 12 min
